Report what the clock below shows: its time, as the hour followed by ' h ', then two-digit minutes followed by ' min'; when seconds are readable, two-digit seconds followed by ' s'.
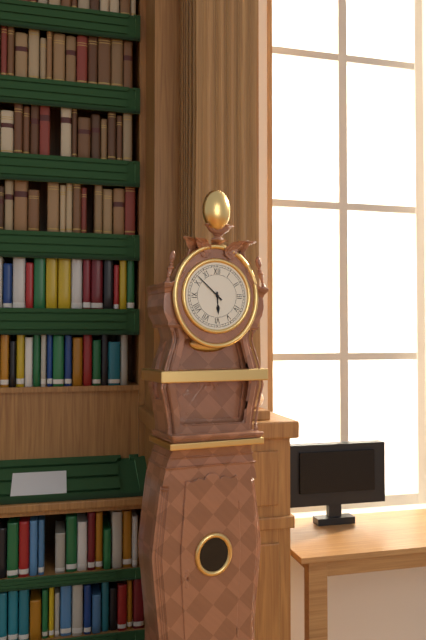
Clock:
5 h 52 min
